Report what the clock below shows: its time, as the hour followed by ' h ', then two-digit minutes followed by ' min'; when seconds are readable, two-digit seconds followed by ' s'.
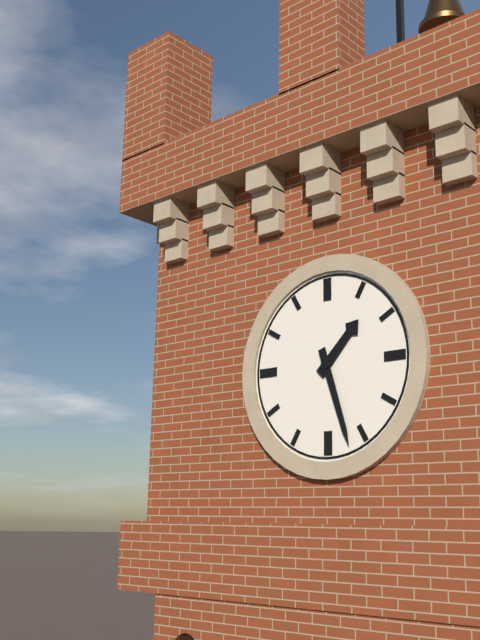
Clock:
1 h 27 min
